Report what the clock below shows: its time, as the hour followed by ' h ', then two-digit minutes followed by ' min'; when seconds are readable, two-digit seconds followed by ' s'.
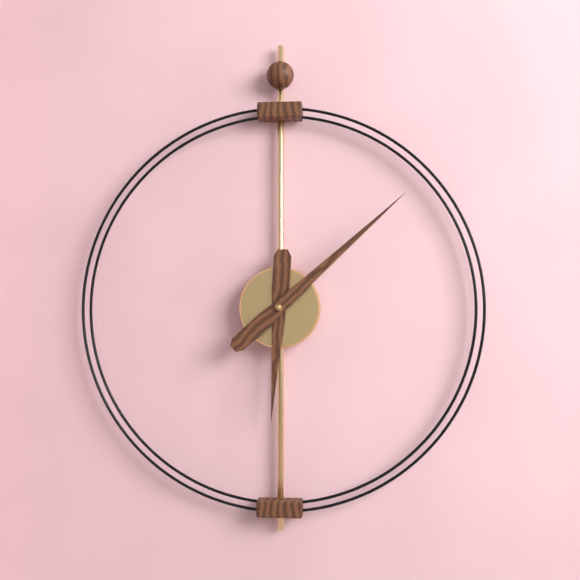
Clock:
6 h 08 min
